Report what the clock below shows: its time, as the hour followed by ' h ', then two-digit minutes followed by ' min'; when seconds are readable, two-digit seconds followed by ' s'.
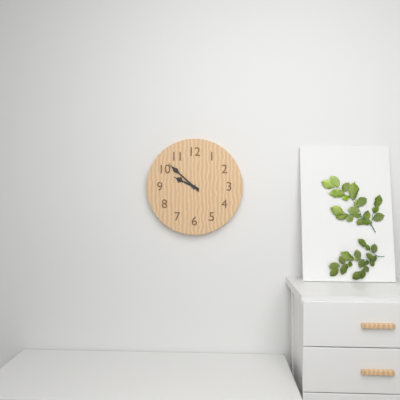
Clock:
9 h 52 min
